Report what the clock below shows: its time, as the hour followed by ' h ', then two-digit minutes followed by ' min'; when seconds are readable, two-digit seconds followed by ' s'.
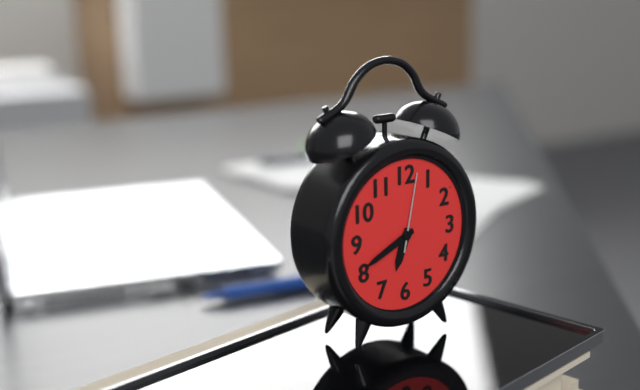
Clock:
6 h 41 min 02 s
